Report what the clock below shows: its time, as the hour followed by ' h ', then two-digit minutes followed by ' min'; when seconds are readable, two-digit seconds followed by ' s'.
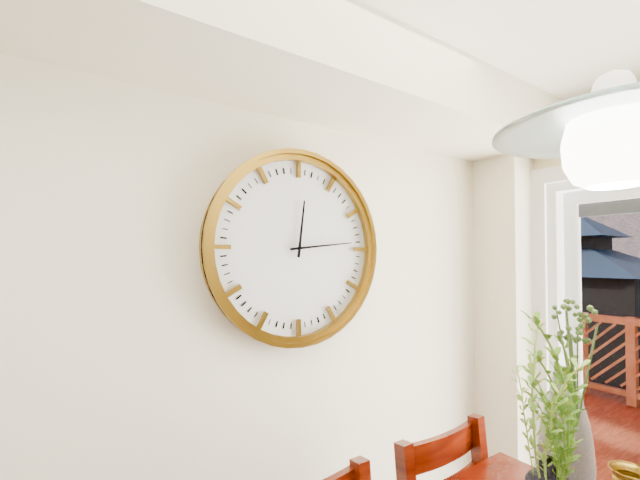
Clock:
12 h 14 min
